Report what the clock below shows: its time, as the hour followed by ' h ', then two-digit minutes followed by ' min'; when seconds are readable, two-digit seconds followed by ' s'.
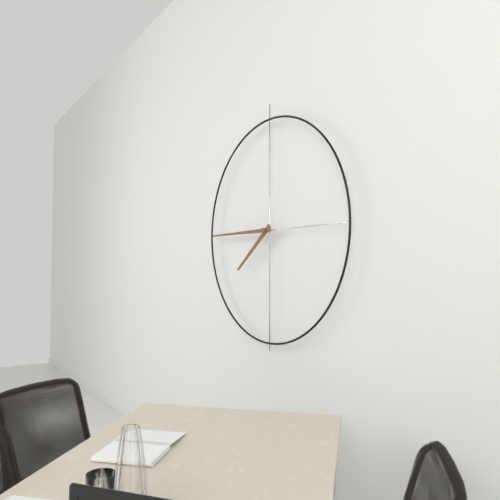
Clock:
7 h 45 min
